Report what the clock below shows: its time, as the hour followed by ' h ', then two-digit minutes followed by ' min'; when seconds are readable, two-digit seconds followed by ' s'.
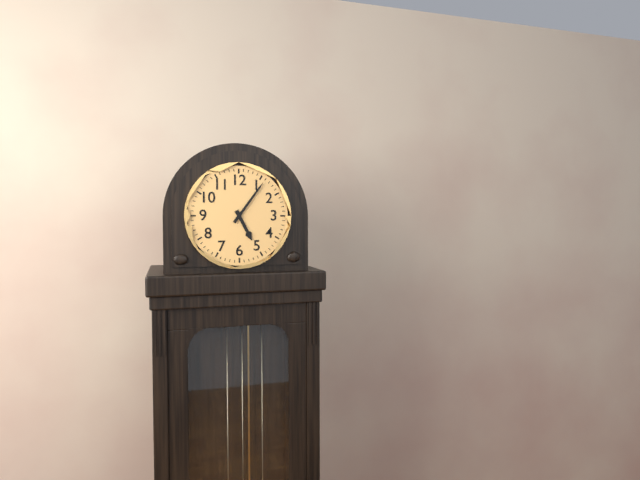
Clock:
5 h 06 min
